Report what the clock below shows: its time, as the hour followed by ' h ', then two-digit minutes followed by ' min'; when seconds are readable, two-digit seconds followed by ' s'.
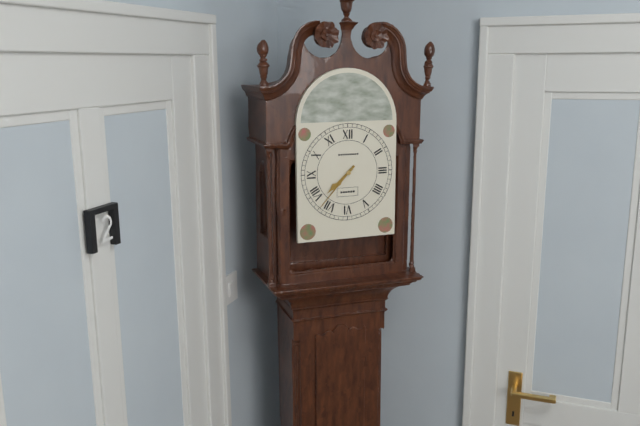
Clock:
7 h 37 min
